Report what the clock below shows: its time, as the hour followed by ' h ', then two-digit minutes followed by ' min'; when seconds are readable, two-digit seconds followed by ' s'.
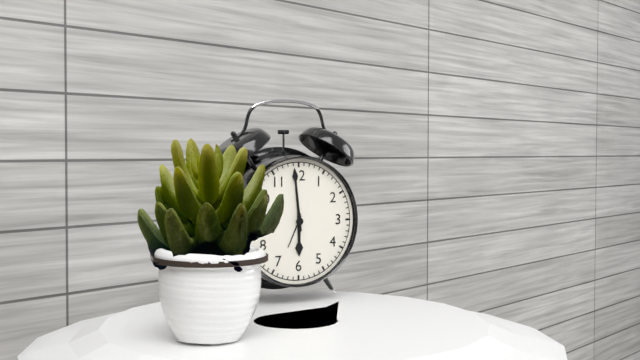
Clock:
5 h 59 min
